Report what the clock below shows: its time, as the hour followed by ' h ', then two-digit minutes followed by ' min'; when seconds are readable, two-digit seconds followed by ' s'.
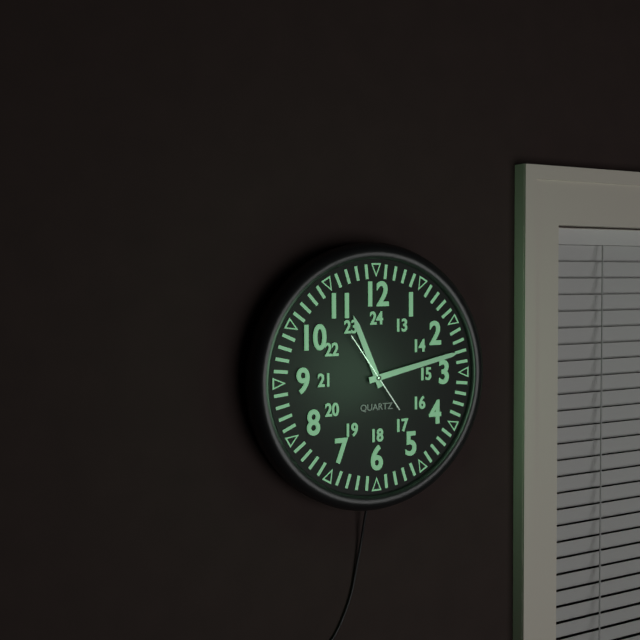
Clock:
11 h 13 min 54 s
